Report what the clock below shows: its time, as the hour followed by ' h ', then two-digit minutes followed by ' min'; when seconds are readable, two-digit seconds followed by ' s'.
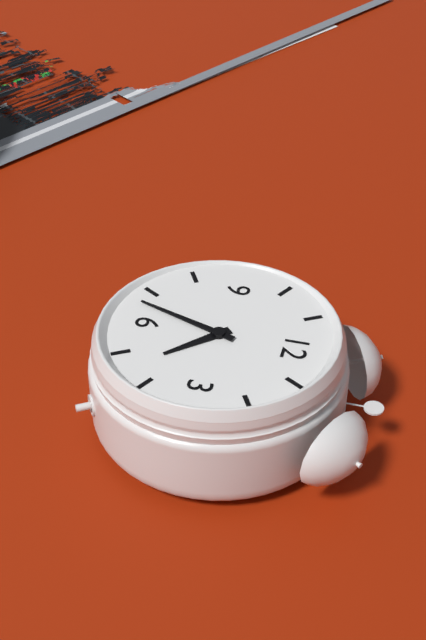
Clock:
4 h 33 min
